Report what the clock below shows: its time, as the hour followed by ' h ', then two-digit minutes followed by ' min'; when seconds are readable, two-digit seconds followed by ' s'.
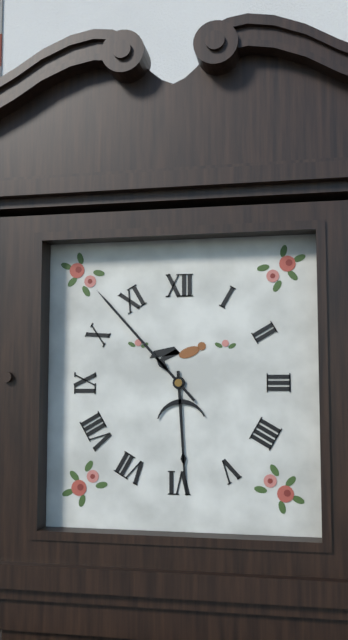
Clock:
5 h 53 min
